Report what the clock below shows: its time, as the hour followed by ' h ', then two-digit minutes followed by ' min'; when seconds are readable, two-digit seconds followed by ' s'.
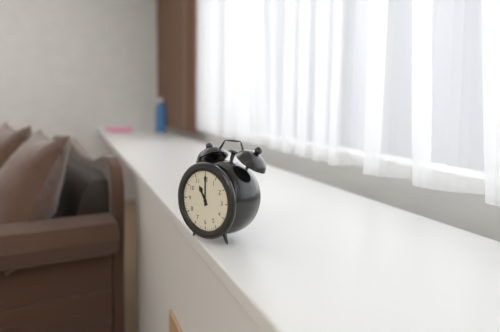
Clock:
11 h 00 min
